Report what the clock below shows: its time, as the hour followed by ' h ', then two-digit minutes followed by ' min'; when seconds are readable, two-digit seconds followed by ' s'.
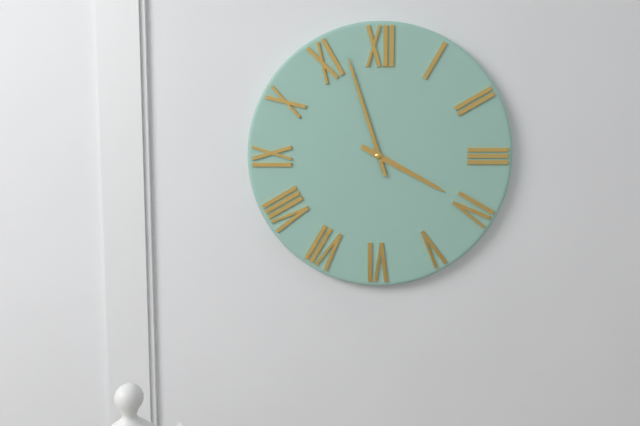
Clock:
3 h 57 min
